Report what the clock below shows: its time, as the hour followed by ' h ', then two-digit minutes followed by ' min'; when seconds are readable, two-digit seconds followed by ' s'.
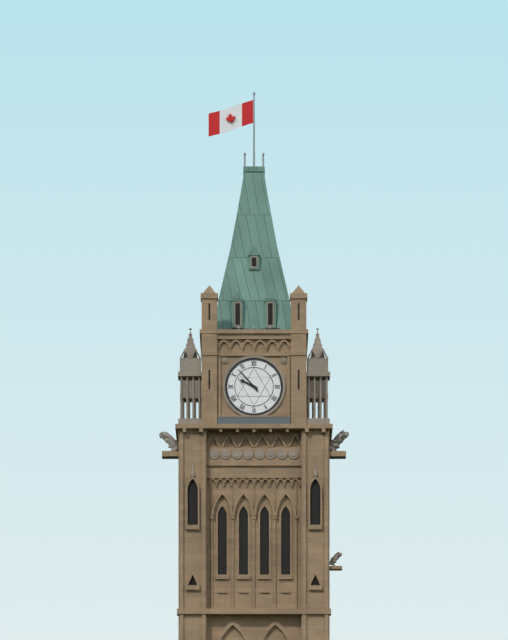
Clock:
9 h 53 min
